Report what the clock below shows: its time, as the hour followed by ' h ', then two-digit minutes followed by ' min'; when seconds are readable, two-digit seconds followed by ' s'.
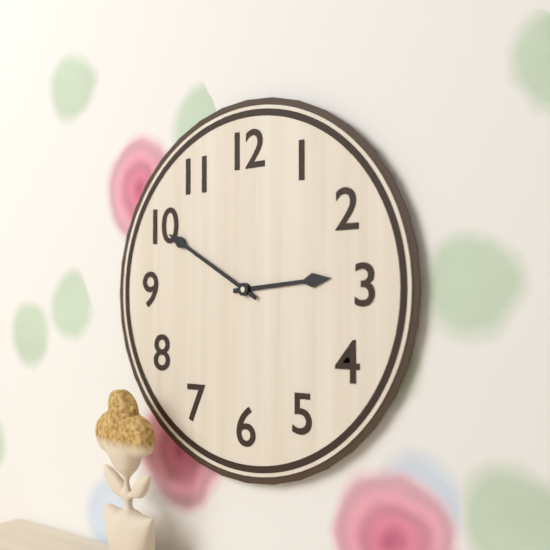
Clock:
2 h 50 min
